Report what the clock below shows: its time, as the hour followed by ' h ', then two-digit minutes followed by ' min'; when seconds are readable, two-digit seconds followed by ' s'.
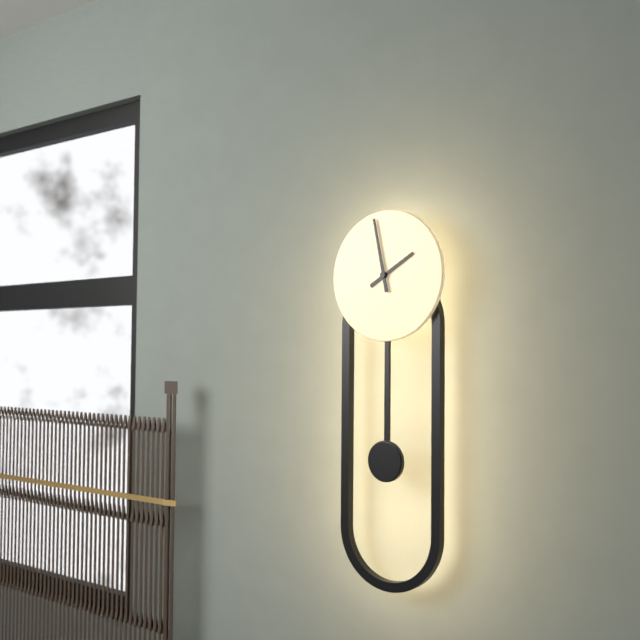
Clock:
1 h 58 min
